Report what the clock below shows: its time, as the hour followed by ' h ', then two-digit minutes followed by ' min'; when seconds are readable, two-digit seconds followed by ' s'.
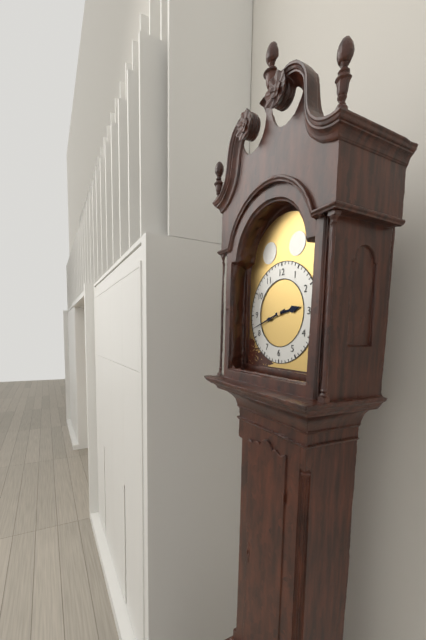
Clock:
2 h 42 min
